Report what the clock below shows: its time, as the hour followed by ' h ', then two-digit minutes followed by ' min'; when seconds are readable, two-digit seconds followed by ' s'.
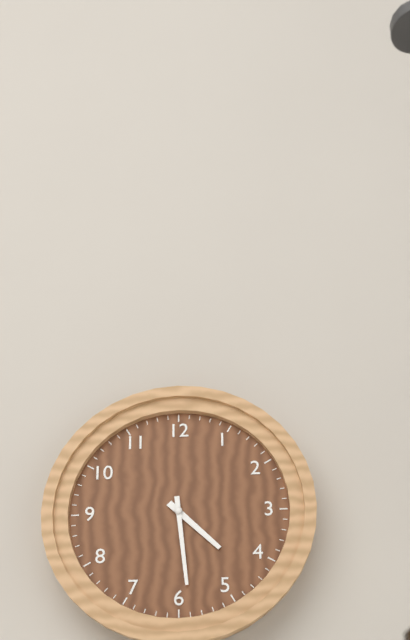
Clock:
4 h 29 min
